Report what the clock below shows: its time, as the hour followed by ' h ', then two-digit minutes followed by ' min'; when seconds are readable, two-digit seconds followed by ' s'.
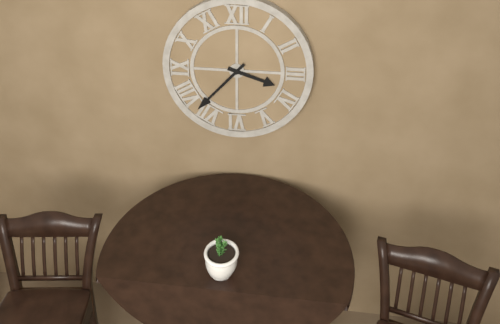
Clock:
3 h 37 min
